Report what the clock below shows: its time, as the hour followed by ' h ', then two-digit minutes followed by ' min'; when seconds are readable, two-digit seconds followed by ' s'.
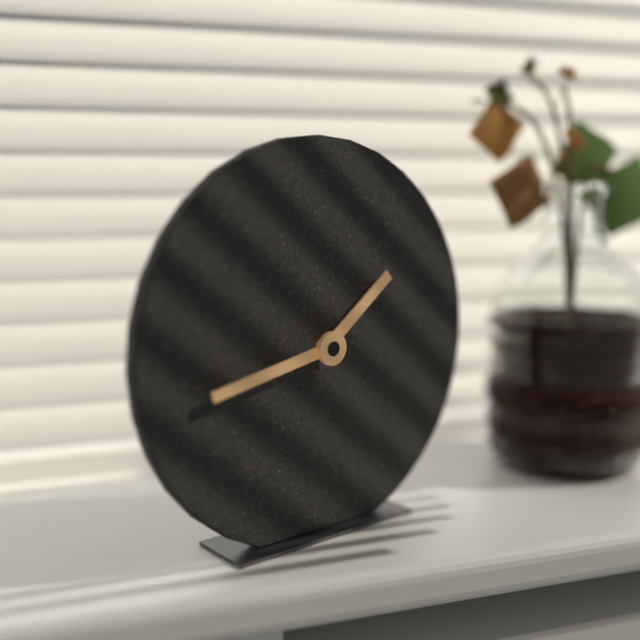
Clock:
1 h 43 min
